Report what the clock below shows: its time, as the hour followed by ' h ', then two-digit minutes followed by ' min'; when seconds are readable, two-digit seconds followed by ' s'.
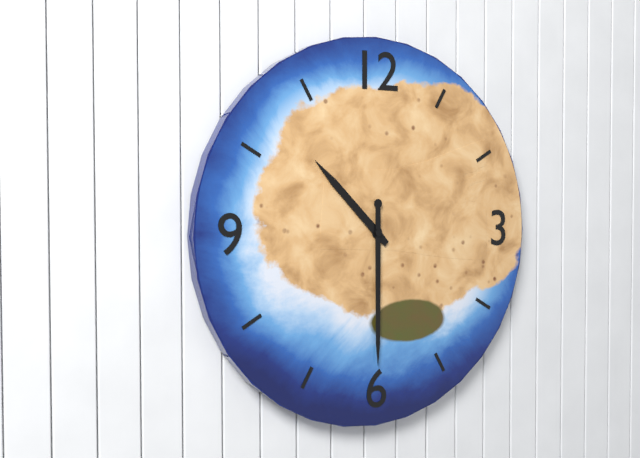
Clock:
10 h 30 min
